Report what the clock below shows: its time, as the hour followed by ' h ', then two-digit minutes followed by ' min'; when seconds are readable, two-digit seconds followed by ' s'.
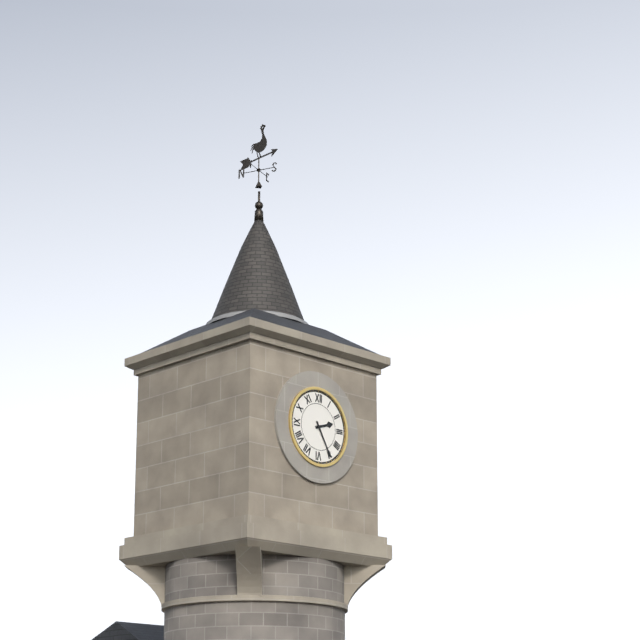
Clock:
2 h 25 min
